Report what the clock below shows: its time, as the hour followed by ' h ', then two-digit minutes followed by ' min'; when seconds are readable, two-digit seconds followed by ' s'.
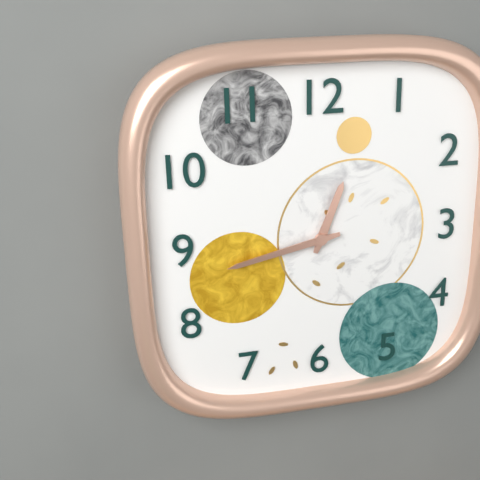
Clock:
12 h 43 min
